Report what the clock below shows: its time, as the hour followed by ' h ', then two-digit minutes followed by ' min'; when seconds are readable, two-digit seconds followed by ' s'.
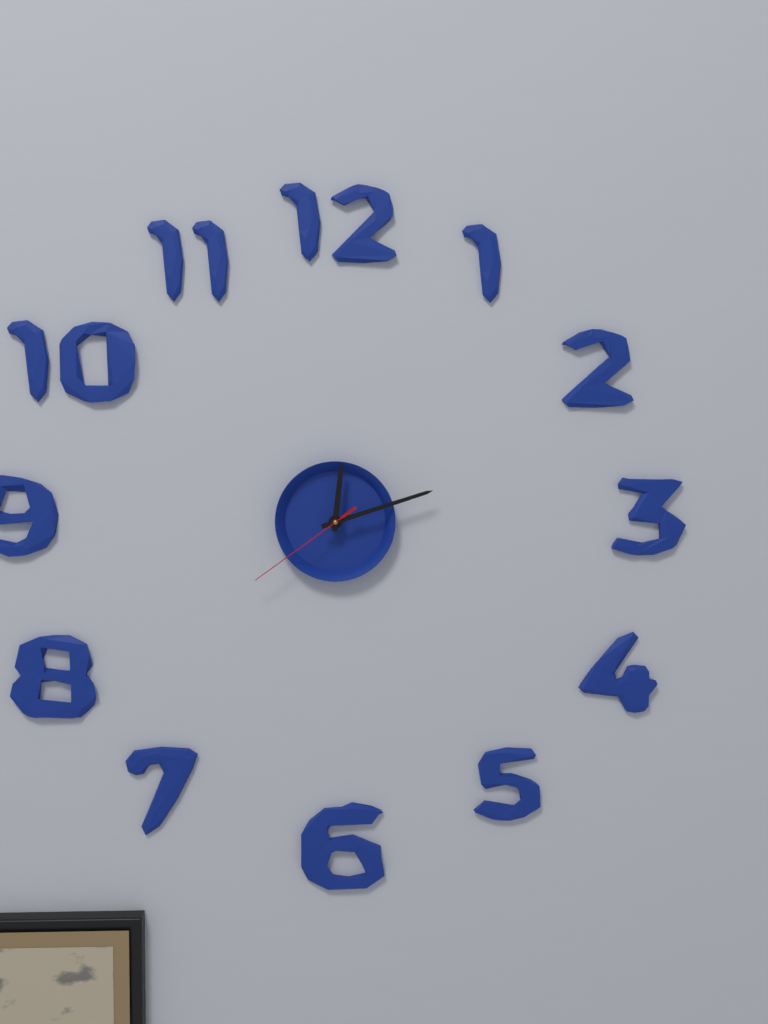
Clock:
12 h 12 min 39 s
